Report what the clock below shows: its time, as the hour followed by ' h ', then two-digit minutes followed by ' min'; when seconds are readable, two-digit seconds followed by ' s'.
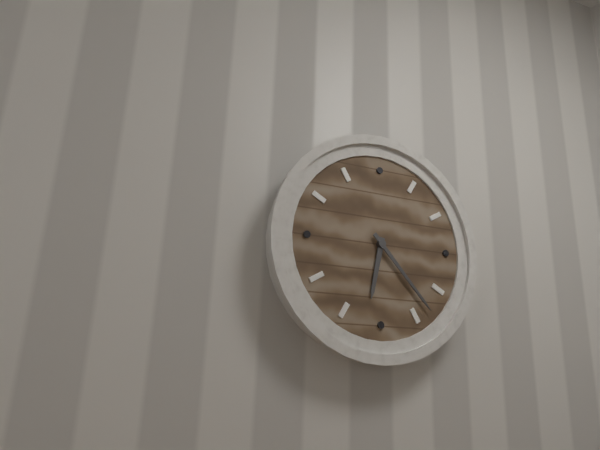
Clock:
6 h 23 min
